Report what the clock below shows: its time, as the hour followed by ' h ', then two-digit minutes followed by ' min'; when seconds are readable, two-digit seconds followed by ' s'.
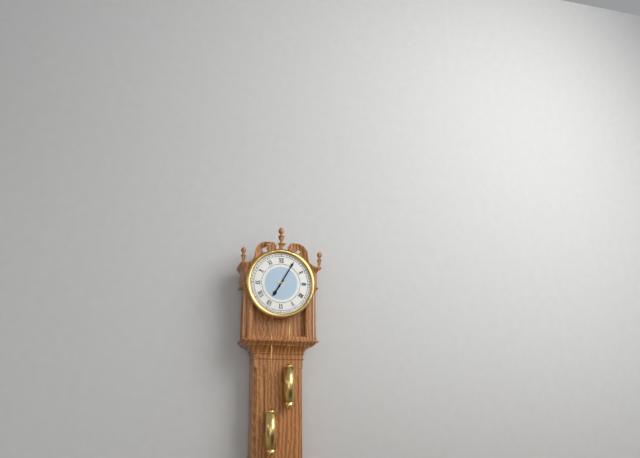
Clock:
7 h 05 min
